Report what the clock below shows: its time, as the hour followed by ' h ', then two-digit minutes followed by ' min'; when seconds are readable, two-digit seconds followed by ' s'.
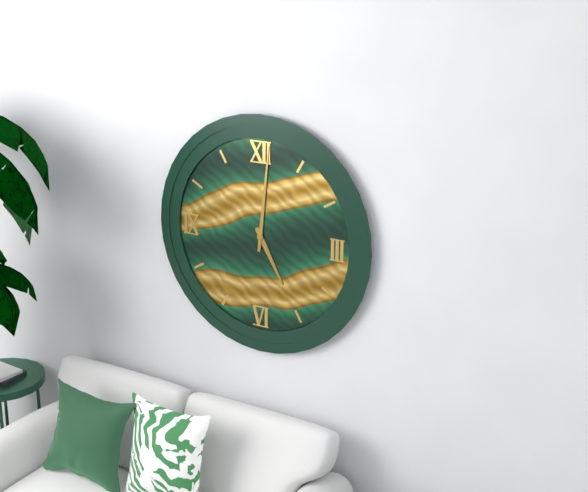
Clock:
5 h 01 min
